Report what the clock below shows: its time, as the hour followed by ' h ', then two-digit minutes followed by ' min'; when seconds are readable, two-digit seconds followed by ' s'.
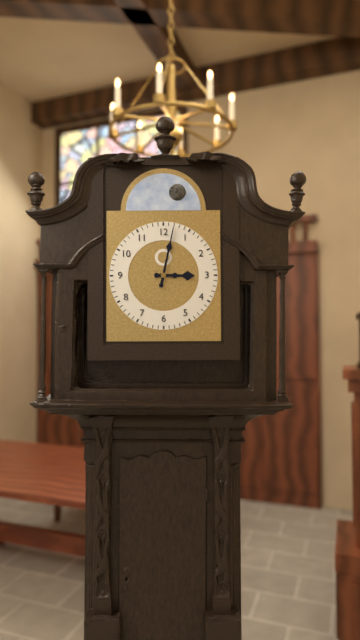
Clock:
3 h 02 min
